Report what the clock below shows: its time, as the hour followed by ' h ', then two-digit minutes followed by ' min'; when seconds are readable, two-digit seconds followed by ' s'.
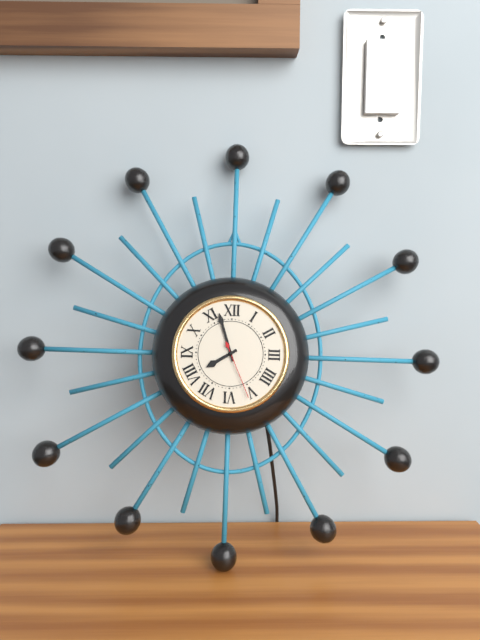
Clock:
7 h 57 min 26 s
